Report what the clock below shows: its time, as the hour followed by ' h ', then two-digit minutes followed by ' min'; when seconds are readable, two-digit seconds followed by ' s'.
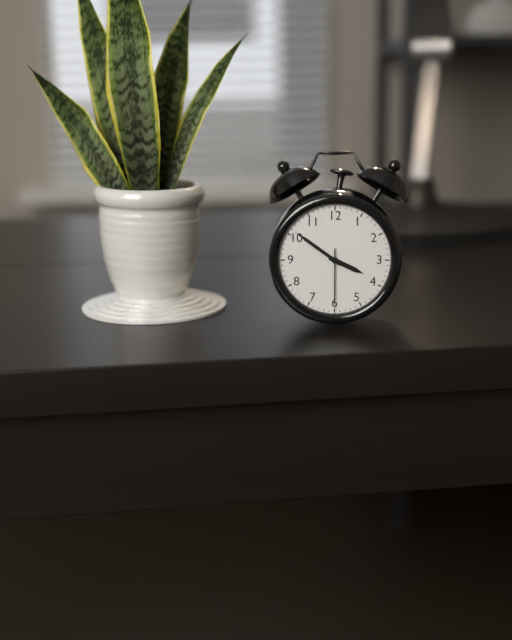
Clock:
3 h 51 min 30 s
